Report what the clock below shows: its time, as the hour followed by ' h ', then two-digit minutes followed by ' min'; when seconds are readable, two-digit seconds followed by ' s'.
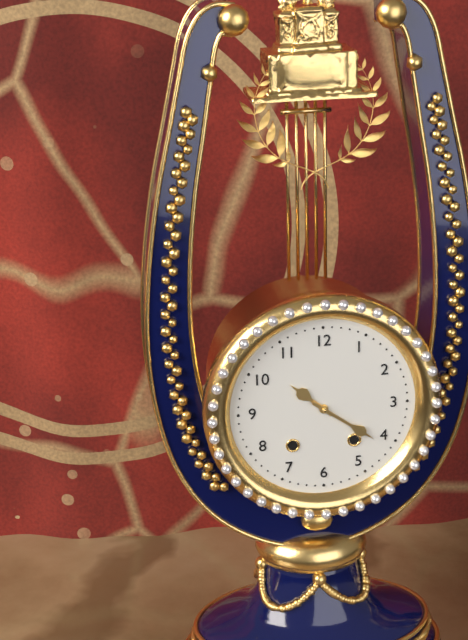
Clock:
10 h 21 min
